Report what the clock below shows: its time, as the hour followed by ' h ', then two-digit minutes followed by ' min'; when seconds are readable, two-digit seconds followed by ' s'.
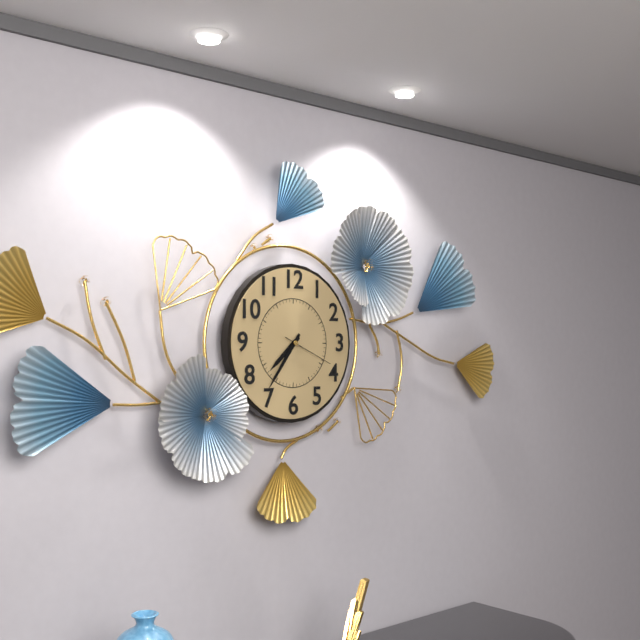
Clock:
7 h 36 min 19 s
